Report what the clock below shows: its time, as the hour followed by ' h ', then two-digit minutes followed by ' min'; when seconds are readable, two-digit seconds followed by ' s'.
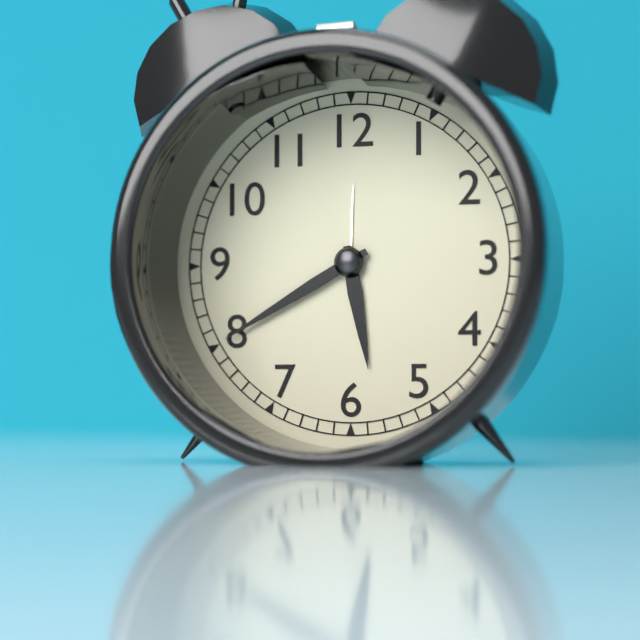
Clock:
5 h 40 min
